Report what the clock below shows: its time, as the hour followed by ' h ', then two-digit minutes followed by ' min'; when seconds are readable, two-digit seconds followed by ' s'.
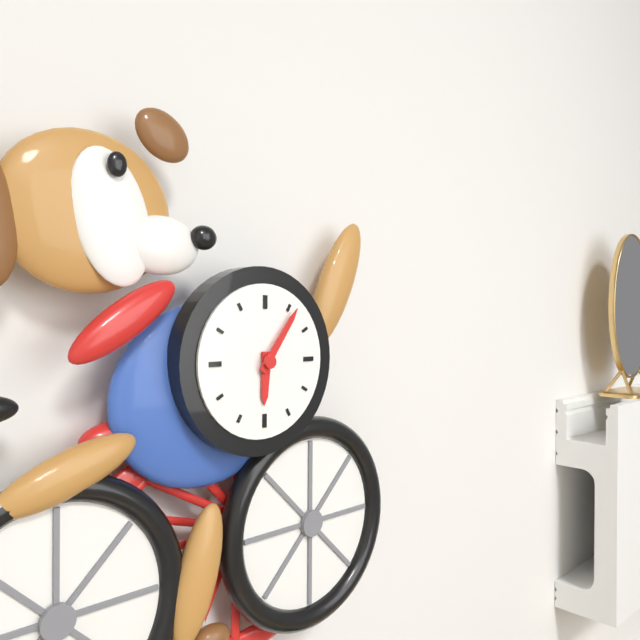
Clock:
6 h 06 min
